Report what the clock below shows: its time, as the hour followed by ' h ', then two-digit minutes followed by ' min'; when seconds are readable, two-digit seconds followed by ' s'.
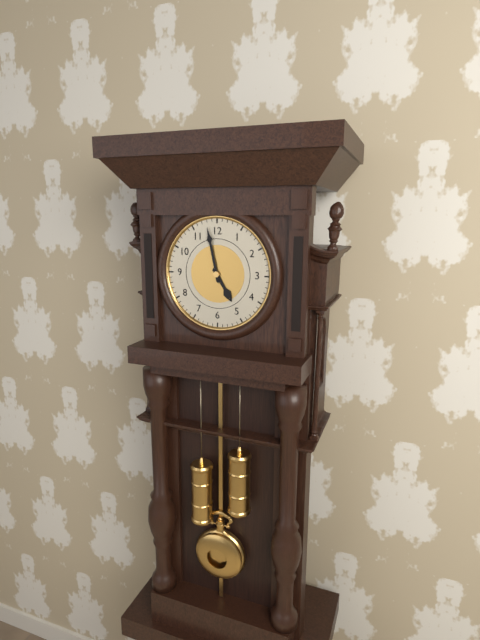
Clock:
4 h 58 min
